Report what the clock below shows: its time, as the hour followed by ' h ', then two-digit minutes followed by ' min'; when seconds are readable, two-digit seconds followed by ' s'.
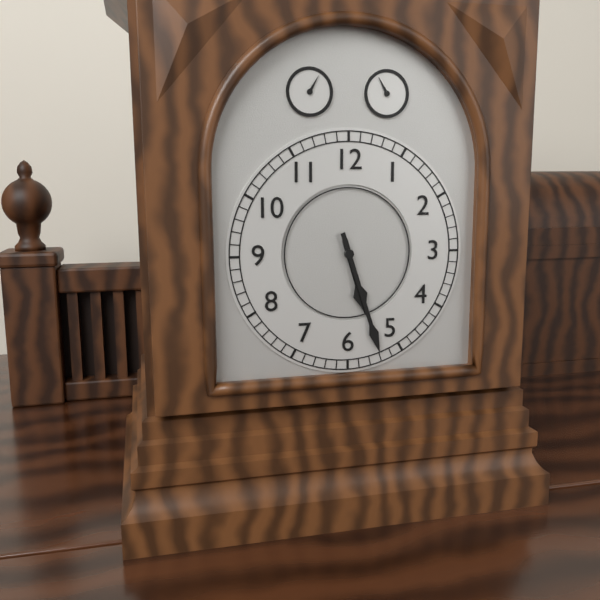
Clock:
5 h 27 min
